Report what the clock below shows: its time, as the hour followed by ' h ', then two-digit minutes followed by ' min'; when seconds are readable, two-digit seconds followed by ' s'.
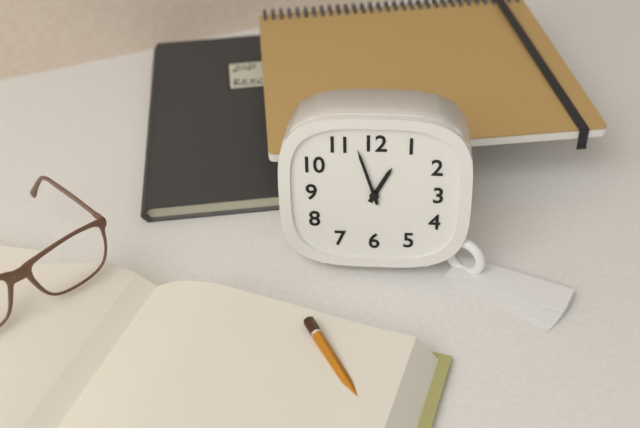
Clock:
12 h 57 min
